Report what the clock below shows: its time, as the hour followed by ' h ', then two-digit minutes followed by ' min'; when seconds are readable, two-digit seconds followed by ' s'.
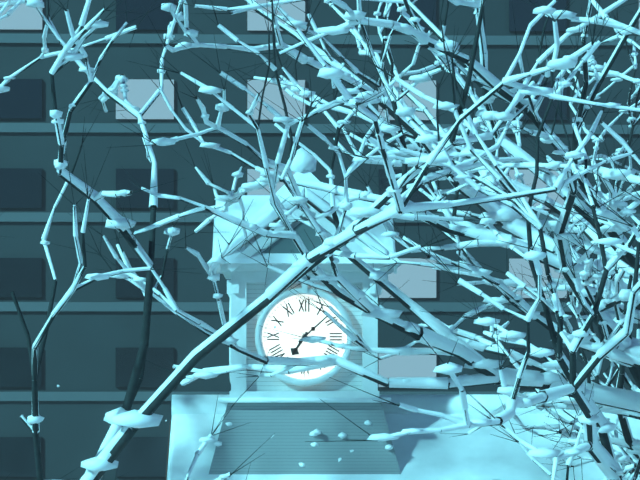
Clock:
7 h 08 min
